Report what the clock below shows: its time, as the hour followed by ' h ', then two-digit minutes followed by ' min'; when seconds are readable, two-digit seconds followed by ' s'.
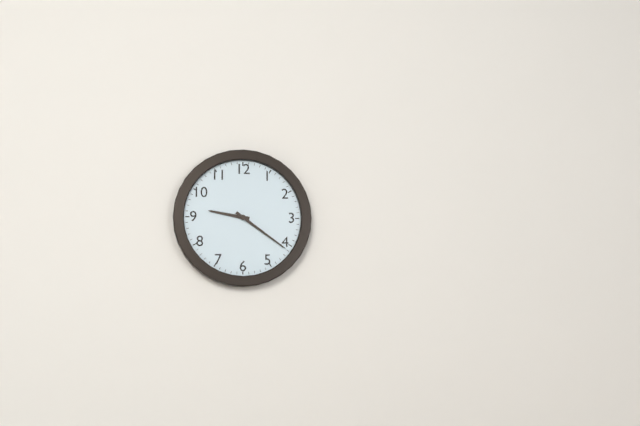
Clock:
9 h 21 min
